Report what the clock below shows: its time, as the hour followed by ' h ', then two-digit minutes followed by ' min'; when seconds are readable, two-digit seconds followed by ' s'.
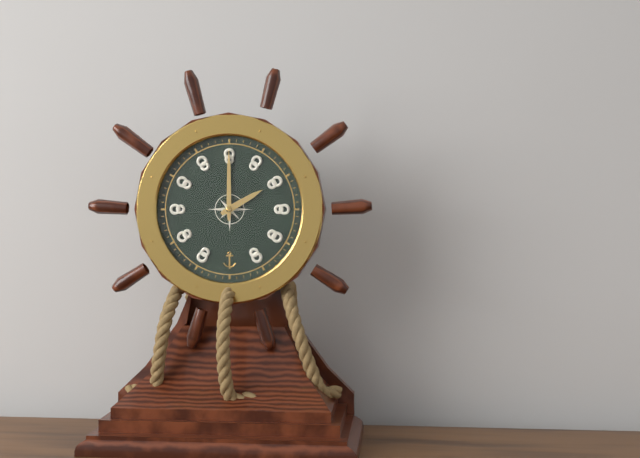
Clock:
2 h 00 min
